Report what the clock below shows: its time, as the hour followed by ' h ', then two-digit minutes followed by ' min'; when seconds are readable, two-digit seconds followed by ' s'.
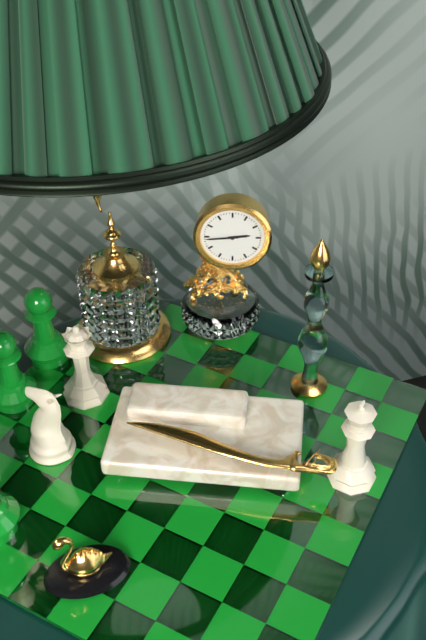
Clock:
2 h 44 min
